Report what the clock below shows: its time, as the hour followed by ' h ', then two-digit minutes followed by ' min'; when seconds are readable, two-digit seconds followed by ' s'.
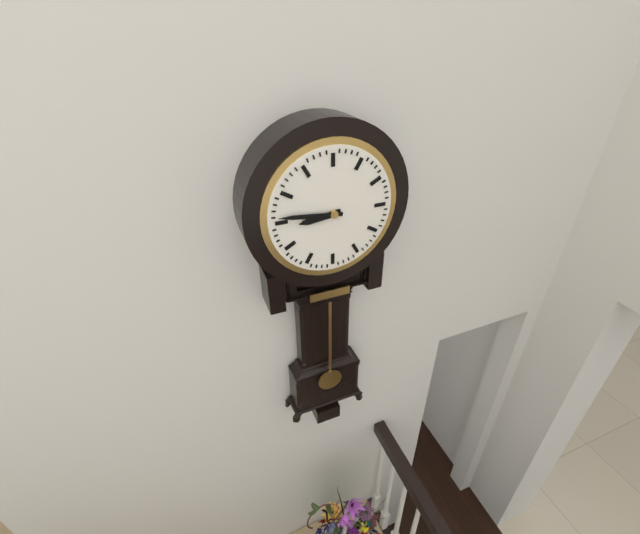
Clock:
8 h 46 min
